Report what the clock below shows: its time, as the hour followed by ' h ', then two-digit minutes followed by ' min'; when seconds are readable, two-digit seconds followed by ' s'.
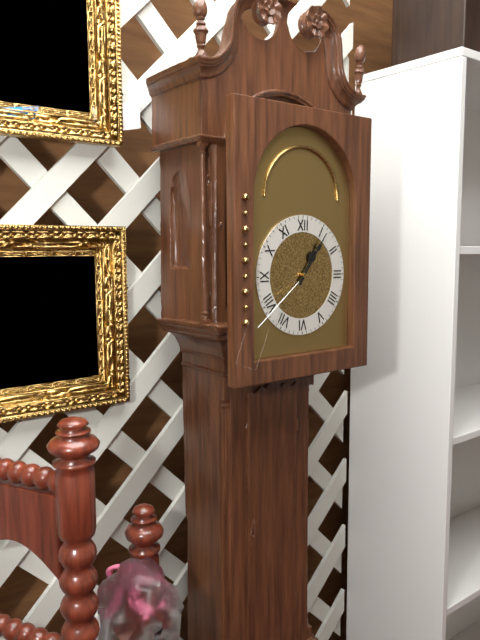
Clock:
1 h 06 min
